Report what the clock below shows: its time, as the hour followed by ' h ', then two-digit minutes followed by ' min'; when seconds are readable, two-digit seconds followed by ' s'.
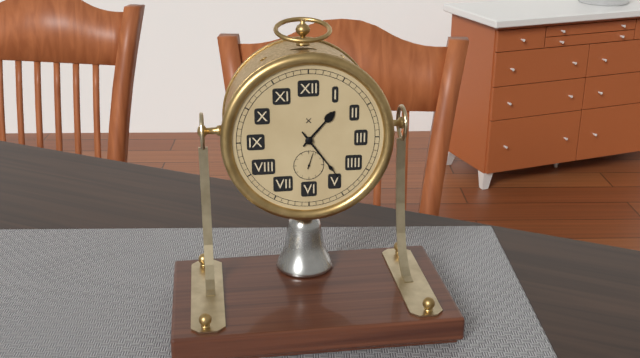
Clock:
1 h 24 min
